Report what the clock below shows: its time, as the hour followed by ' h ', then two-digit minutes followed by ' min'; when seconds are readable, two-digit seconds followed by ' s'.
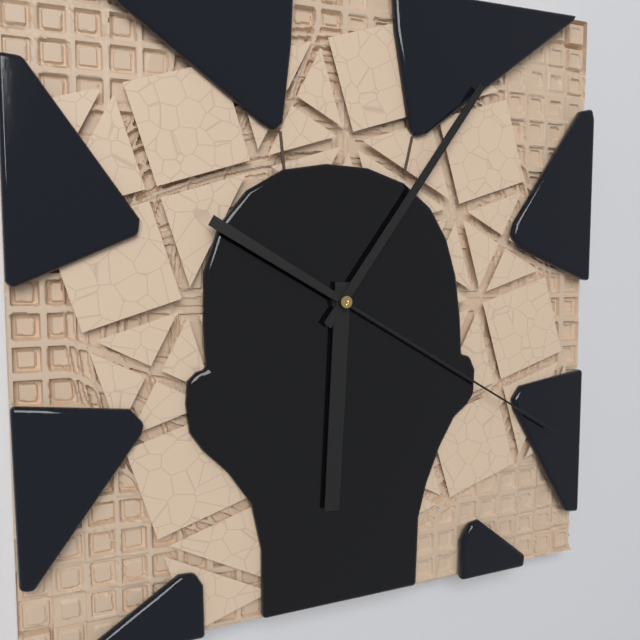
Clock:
6 h 06 min 20 s
